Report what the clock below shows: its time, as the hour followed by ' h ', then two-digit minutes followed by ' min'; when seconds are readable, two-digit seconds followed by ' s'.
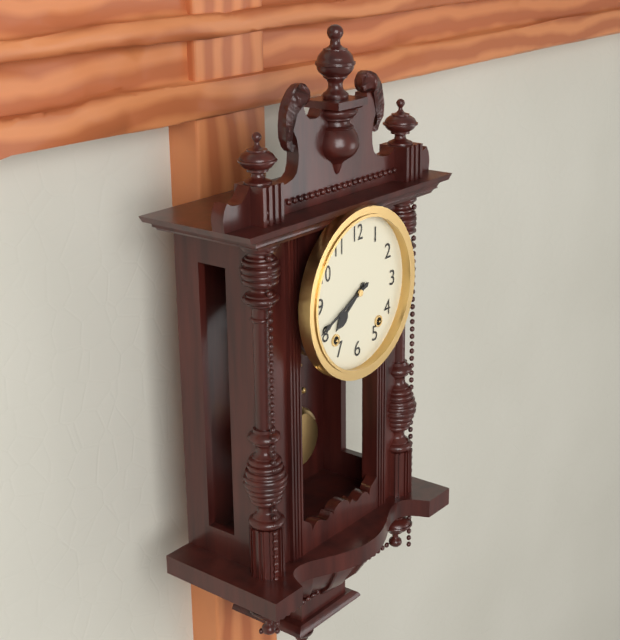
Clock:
7 h 41 min
